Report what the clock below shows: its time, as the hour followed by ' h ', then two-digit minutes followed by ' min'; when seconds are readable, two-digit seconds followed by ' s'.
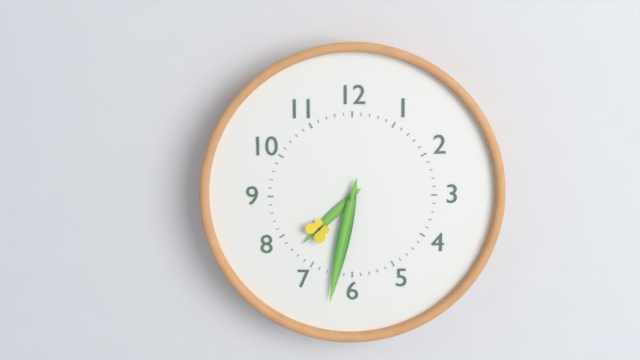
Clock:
7 h 32 min
